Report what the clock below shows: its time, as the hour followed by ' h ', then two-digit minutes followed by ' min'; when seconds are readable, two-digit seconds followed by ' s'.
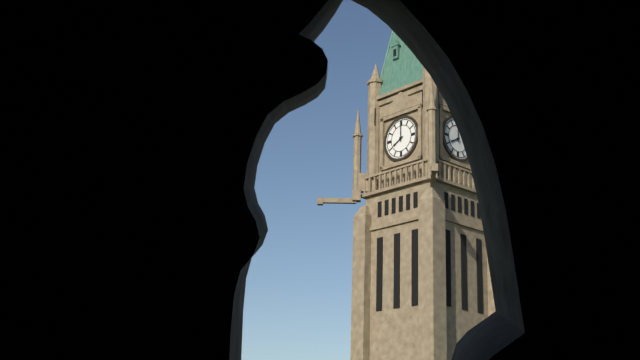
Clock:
8 h 00 min
